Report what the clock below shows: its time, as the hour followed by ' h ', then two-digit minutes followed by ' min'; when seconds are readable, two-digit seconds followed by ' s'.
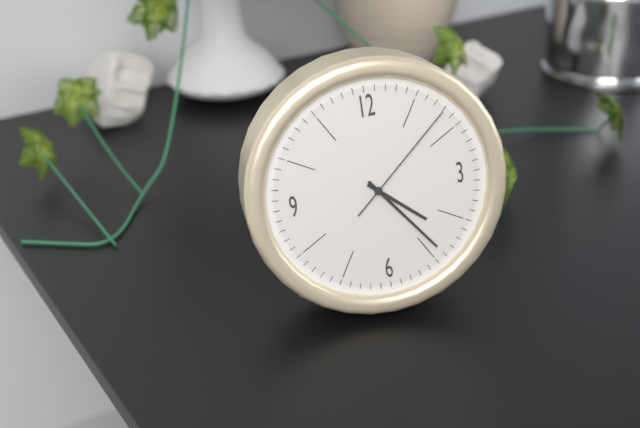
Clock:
4 h 24 min 08 s
